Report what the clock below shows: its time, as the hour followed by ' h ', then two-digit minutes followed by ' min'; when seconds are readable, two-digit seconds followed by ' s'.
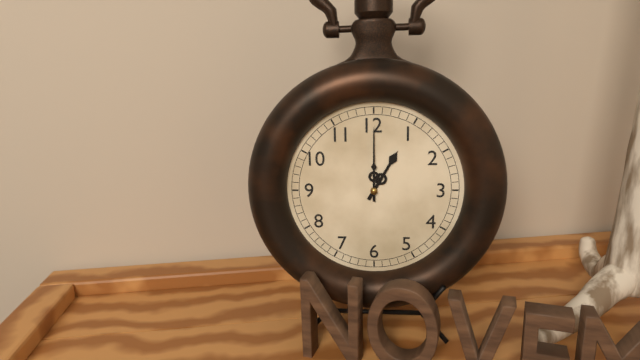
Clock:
1 h 00 min
